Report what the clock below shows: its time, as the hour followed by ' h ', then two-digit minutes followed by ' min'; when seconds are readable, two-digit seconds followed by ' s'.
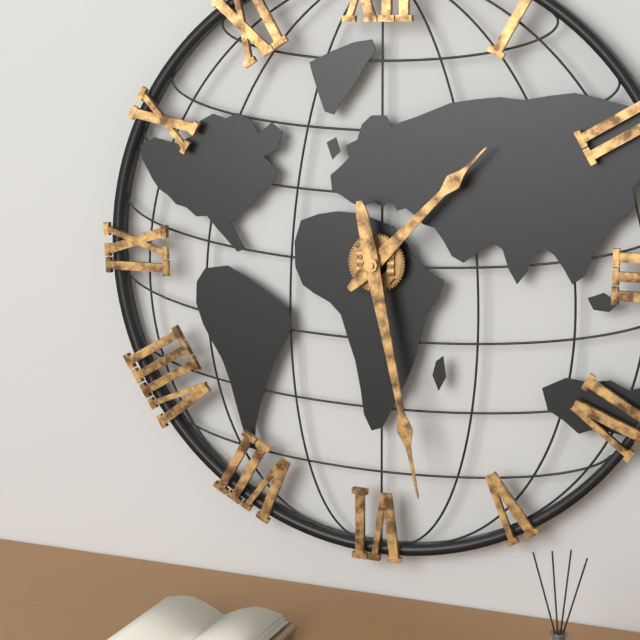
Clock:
1 h 28 min
